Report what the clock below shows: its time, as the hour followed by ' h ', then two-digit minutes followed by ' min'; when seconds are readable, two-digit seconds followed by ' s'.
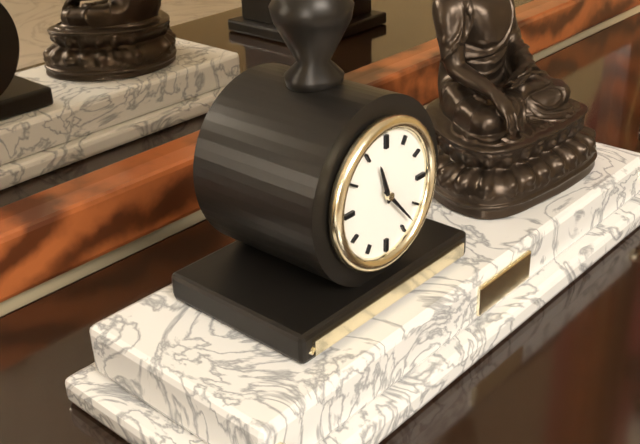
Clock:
11 h 23 min
